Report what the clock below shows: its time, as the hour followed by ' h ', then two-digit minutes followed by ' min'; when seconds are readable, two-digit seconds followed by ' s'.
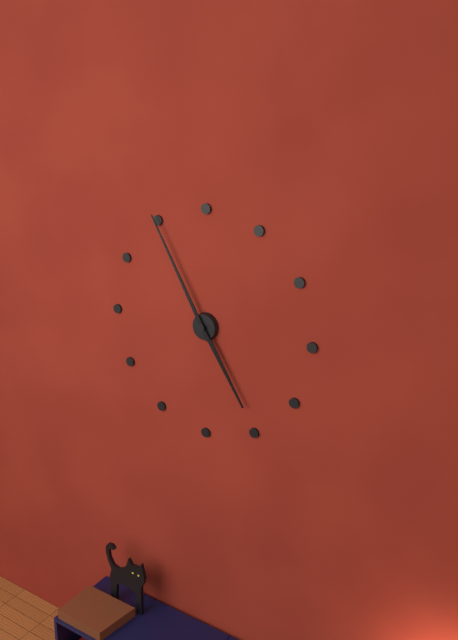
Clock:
4 h 55 min
